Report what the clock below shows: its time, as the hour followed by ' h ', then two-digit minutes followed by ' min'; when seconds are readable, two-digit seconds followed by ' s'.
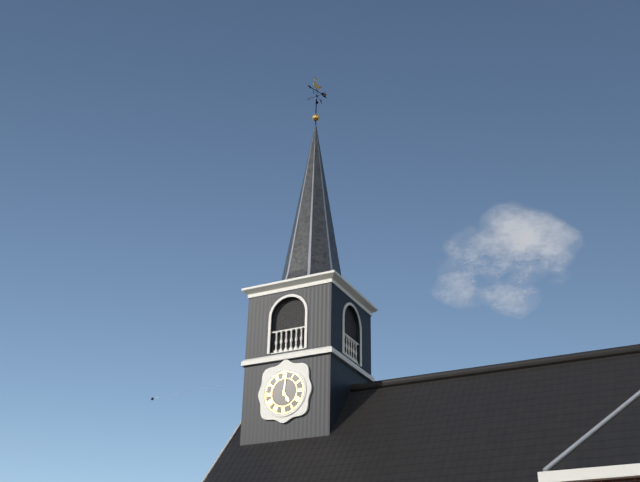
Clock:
5 h 01 min
